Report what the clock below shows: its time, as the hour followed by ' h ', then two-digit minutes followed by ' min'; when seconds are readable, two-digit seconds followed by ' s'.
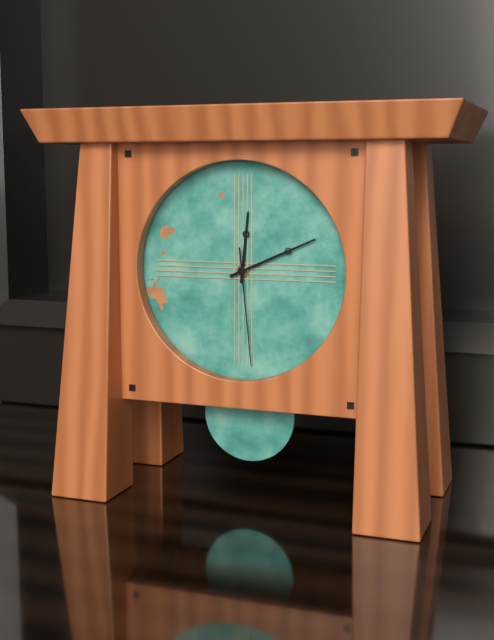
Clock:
12 h 11 min 29 s
